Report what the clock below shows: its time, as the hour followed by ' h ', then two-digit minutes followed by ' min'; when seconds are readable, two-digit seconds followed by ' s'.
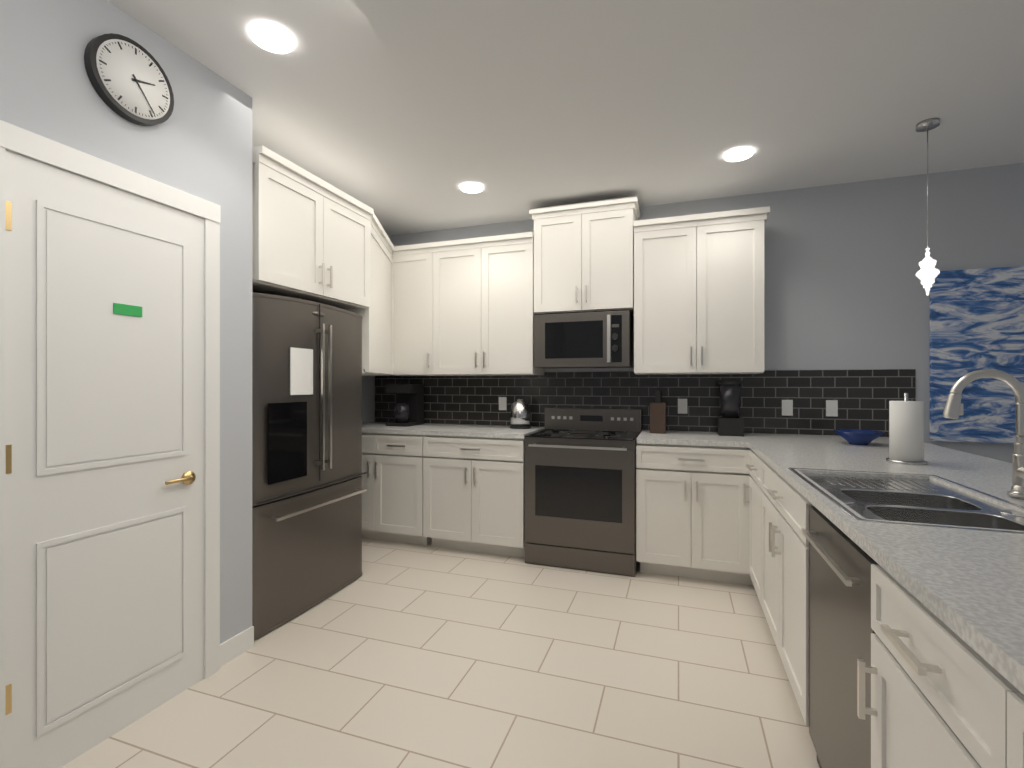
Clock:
2 h 24 min
